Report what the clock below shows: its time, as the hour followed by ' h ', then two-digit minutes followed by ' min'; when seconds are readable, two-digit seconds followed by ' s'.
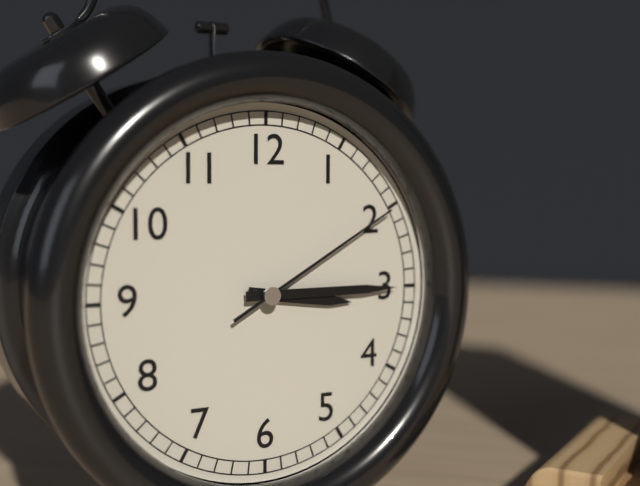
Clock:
3 h 15 min 10 s
